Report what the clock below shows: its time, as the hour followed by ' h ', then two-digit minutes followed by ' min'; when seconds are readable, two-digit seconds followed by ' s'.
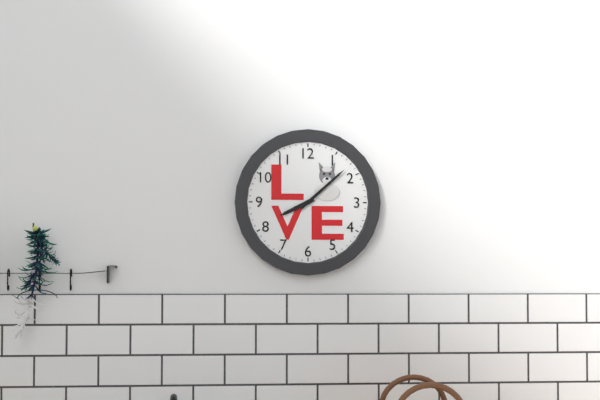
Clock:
8 h 08 min
